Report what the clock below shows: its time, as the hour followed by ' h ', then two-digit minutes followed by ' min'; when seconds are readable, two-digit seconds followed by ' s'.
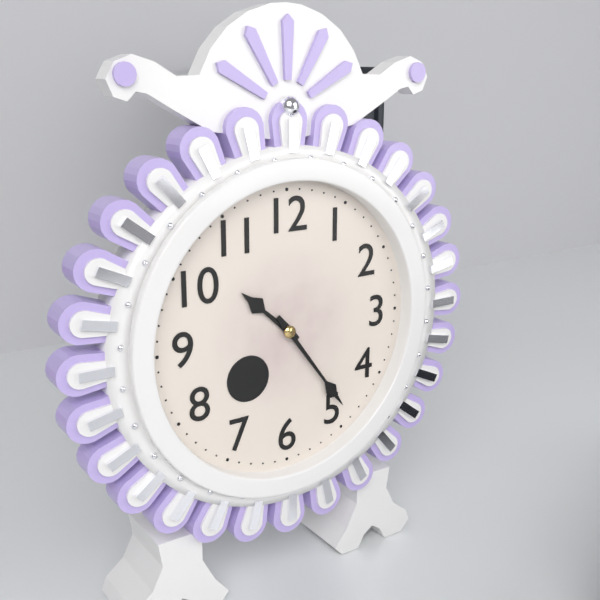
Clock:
10 h 24 min
